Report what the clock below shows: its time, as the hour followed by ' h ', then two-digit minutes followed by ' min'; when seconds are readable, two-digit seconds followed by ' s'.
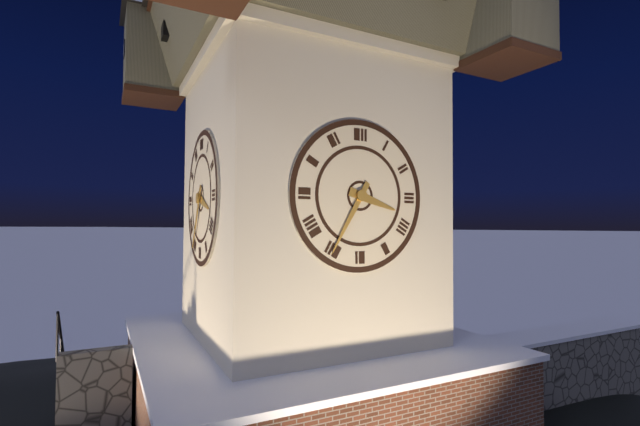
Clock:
3 h 35 min
